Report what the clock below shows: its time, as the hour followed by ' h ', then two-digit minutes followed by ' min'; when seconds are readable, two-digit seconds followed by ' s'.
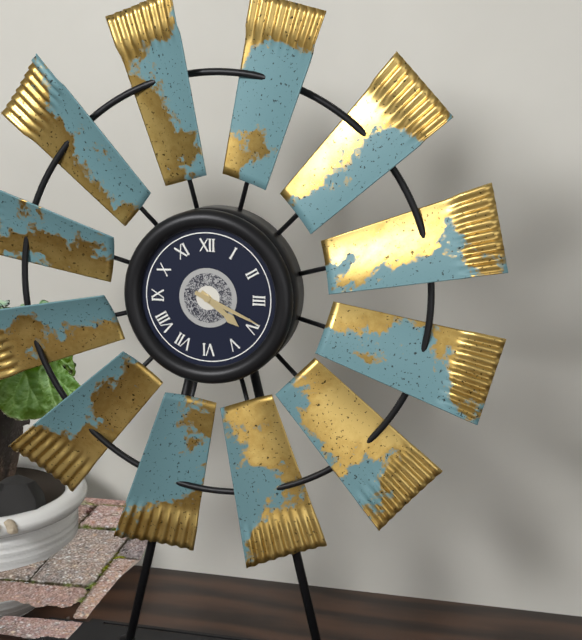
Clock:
4 h 19 min
